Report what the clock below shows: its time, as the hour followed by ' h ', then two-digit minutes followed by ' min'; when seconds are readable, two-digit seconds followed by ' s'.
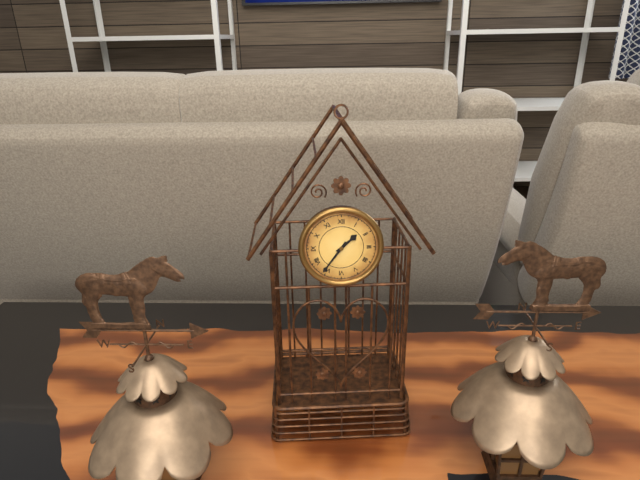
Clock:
1 h 36 min
